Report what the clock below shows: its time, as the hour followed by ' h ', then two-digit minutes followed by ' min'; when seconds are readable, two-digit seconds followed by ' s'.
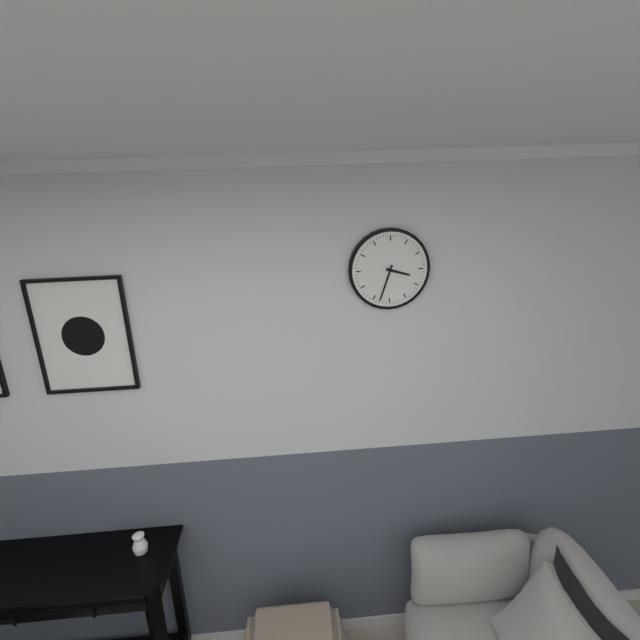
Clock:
3 h 33 min
